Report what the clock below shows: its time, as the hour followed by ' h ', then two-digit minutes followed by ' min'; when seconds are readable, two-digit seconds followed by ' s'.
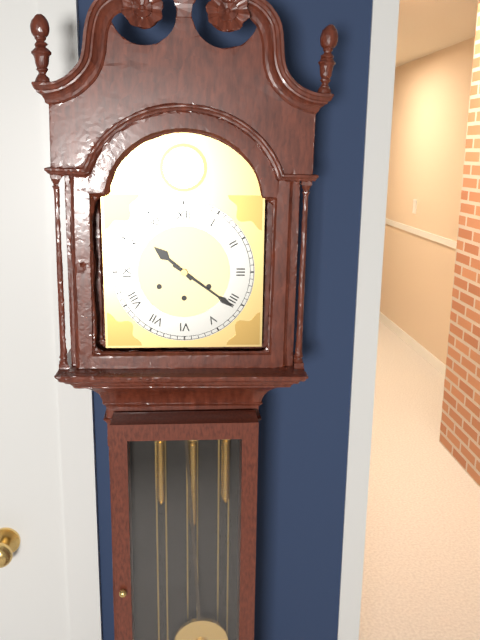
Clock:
10 h 21 min
